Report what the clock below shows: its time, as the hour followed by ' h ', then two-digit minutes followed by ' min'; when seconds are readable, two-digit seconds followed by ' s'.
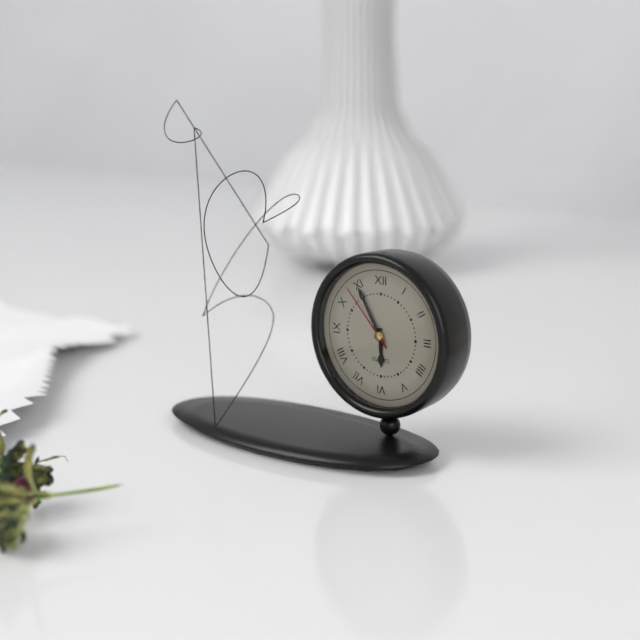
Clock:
5 h 55 min 53 s
